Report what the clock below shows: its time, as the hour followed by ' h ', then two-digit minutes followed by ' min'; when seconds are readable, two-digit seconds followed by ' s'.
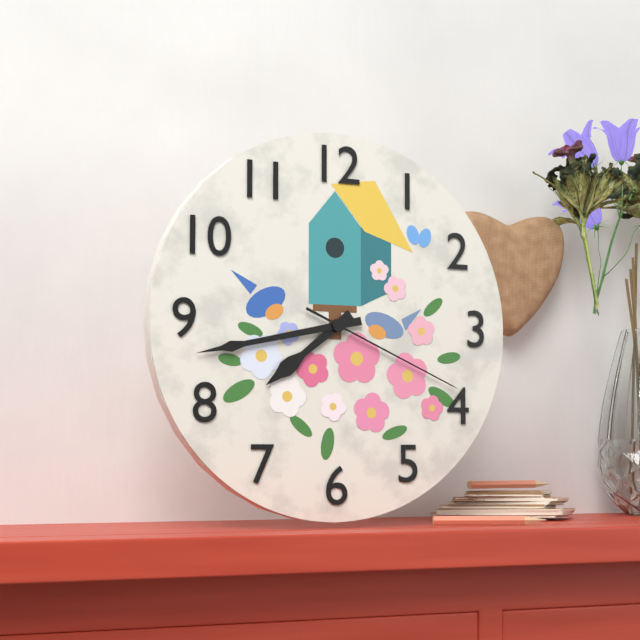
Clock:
7 h 43 min 19 s
